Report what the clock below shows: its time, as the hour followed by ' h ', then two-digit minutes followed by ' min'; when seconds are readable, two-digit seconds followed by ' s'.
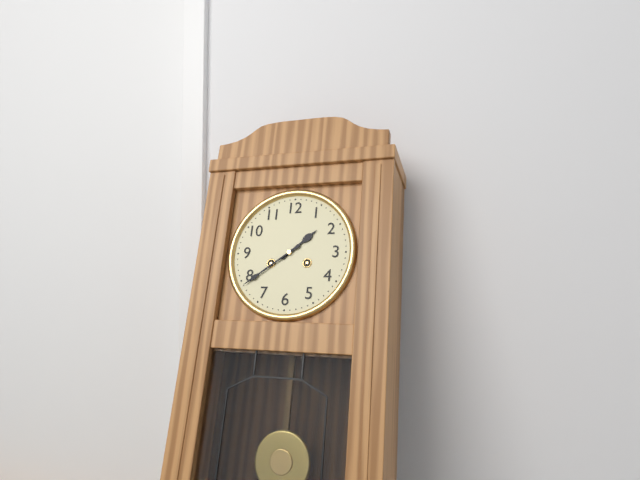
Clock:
1 h 39 min
